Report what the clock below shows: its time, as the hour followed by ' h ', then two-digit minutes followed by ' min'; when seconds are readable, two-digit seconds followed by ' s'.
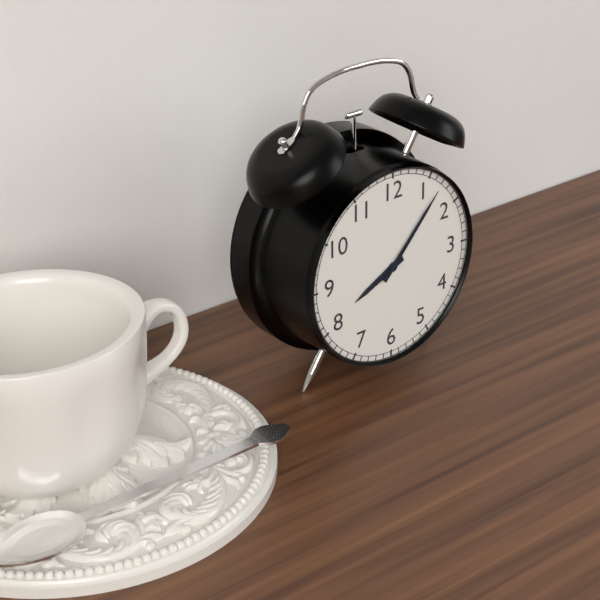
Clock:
8 h 07 min
